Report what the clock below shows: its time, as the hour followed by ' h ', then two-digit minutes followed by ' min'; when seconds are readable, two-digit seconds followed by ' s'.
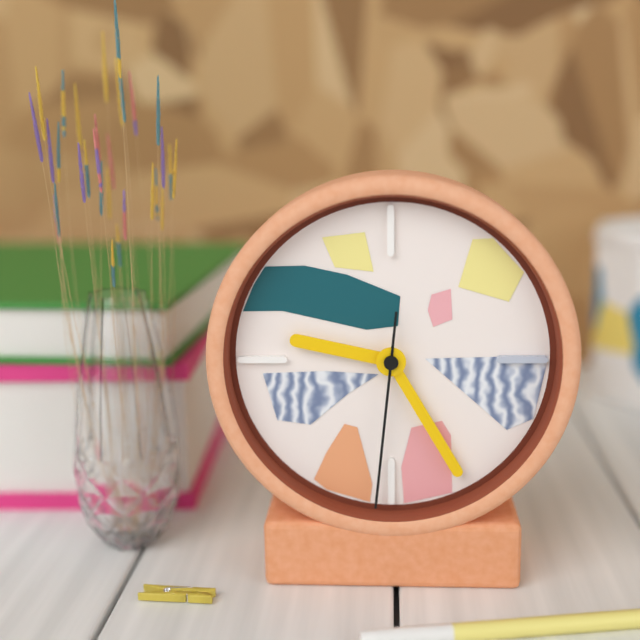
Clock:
9 h 25 min 31 s
